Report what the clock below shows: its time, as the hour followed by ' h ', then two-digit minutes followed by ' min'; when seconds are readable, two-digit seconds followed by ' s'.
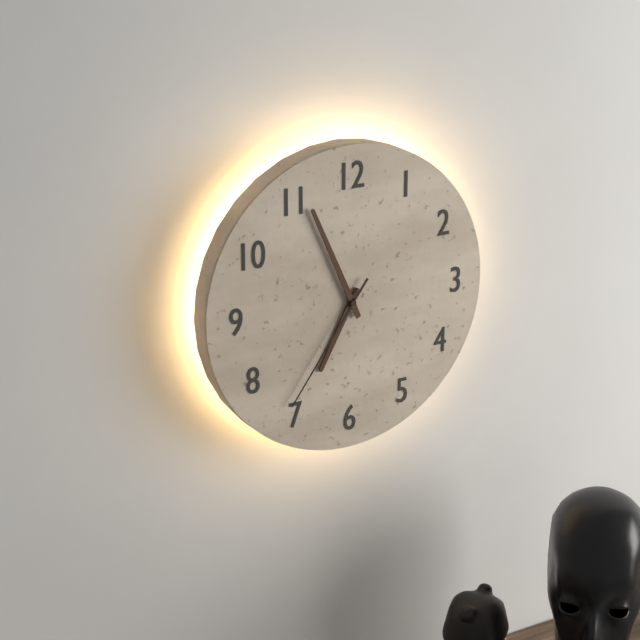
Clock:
6 h 56 min 36 s
